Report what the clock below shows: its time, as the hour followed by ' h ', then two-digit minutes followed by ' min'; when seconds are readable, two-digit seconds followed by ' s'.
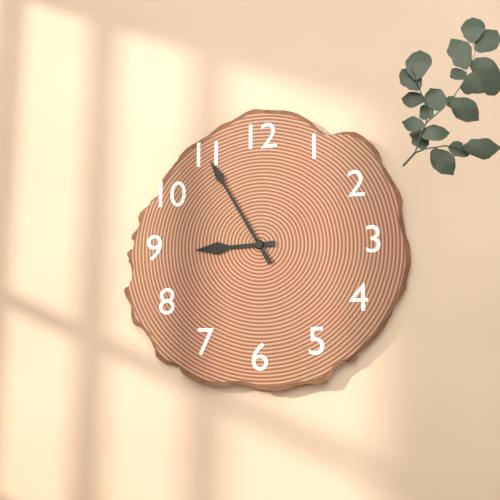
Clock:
8 h 55 min
